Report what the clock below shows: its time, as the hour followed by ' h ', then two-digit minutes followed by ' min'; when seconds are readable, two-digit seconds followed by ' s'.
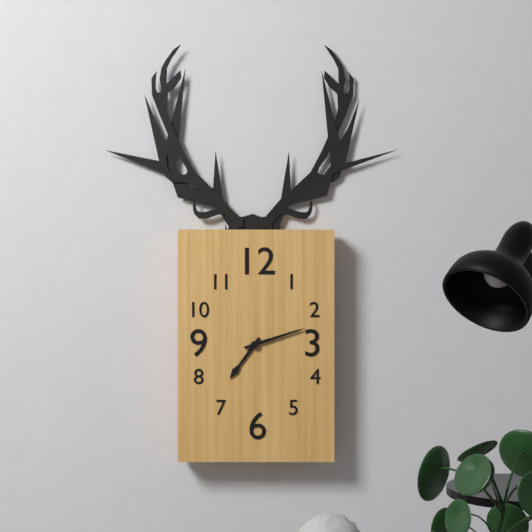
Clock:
7 h 12 min
